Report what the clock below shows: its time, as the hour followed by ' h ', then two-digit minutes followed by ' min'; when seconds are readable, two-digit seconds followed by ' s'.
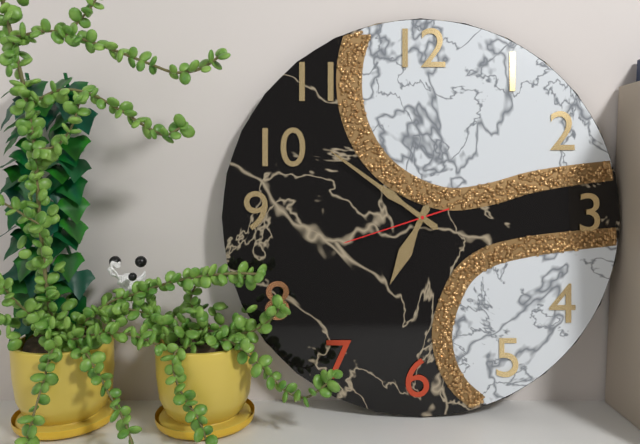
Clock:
6 h 51 min 42 s
